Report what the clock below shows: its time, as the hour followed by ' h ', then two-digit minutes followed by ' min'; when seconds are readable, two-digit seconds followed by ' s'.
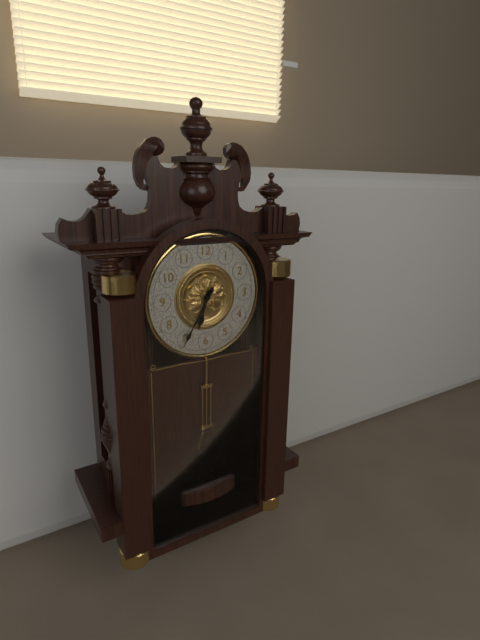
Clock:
6 h 35 min
